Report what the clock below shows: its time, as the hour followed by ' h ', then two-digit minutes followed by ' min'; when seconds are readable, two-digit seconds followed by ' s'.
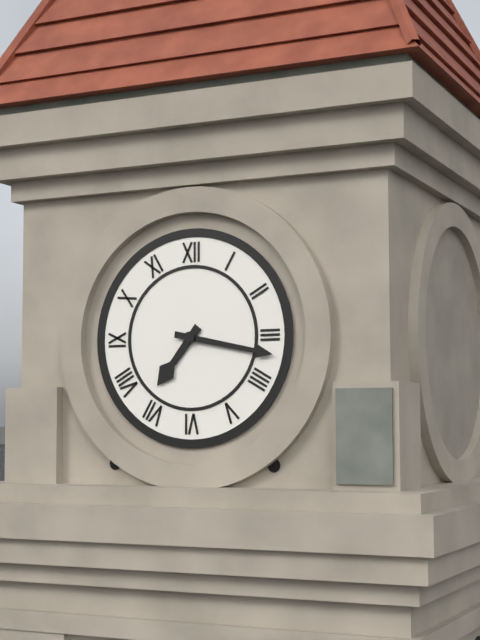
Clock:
7 h 17 min
